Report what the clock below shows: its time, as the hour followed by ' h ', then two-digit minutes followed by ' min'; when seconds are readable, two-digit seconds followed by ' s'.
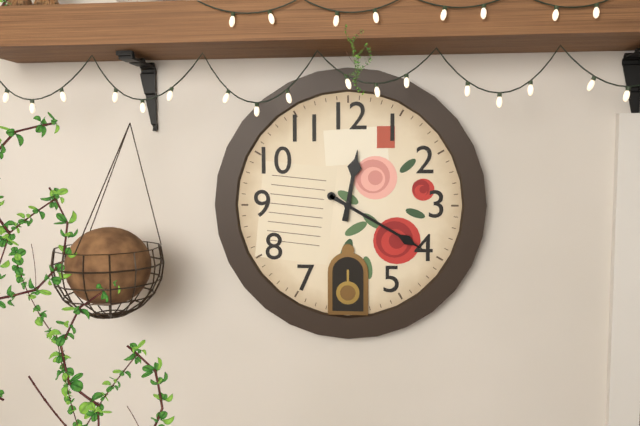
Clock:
12 h 20 min
